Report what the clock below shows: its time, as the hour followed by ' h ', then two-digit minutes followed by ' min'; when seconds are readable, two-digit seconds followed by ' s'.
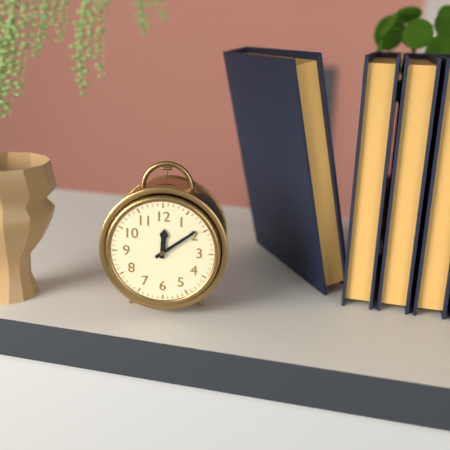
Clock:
12 h 09 min
